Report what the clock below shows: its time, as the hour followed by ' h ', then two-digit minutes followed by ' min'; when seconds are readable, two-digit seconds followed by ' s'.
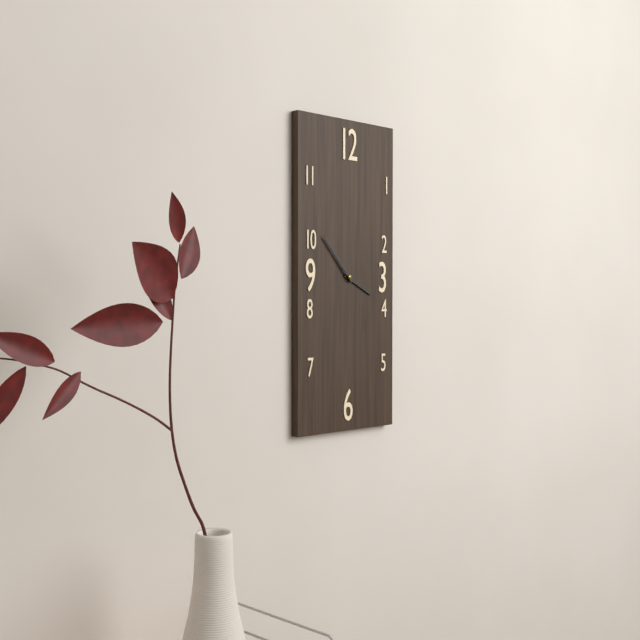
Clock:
3 h 53 min
